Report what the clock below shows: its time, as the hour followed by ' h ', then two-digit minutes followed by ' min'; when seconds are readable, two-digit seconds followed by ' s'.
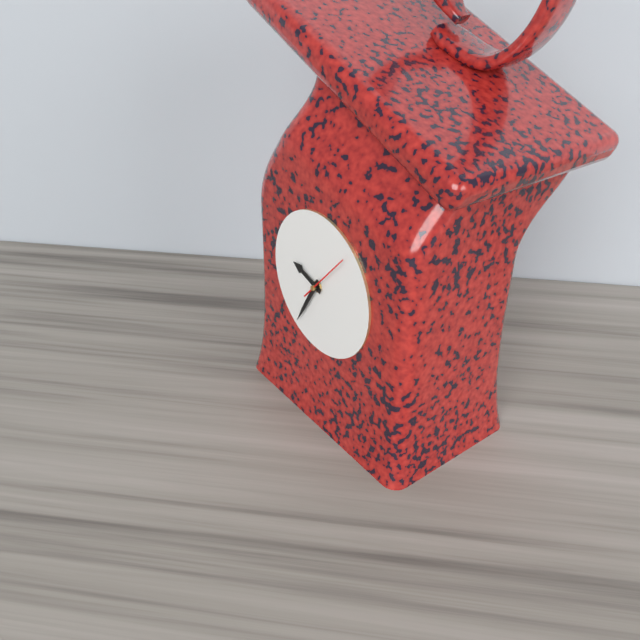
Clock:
9 h 35 min 07 s
